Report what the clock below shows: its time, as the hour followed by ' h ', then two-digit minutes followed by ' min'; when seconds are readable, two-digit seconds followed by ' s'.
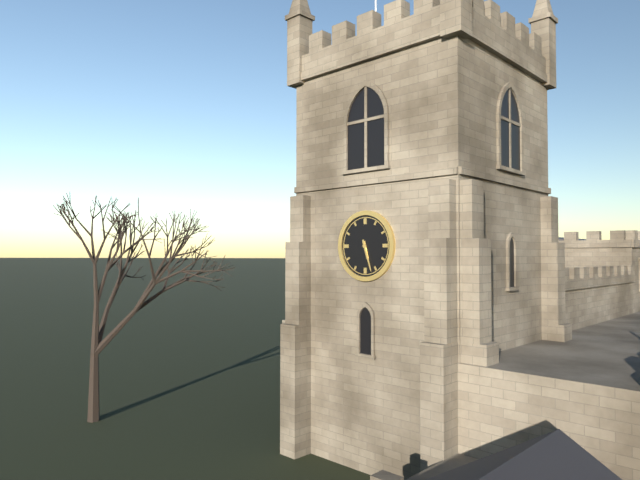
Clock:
5 h 27 min
